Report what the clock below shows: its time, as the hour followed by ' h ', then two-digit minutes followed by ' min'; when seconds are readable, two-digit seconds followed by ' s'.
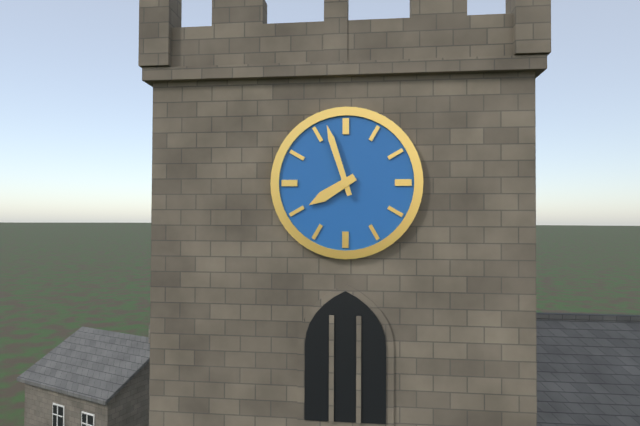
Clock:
7 h 57 min
